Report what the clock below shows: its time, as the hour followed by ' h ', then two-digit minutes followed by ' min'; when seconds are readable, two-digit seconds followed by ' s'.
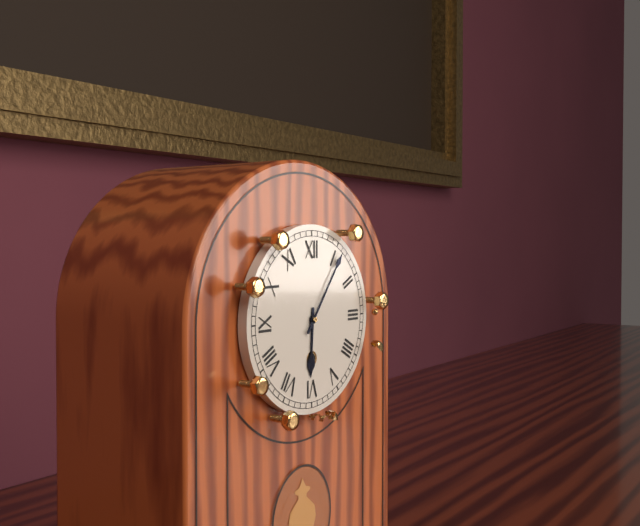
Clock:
6 h 06 min
